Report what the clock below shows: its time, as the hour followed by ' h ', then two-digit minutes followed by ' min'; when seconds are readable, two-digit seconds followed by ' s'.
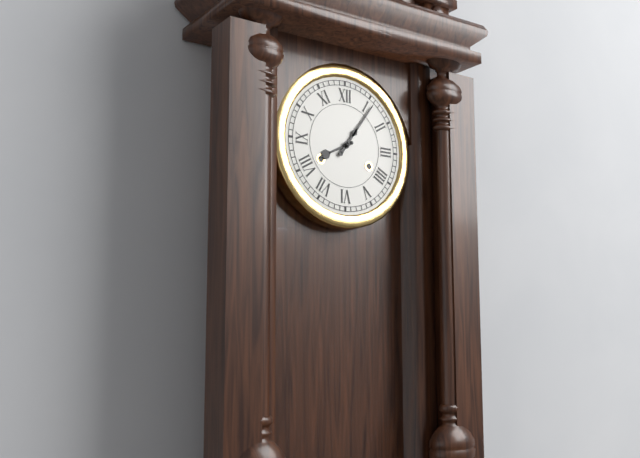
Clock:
8 h 06 min
